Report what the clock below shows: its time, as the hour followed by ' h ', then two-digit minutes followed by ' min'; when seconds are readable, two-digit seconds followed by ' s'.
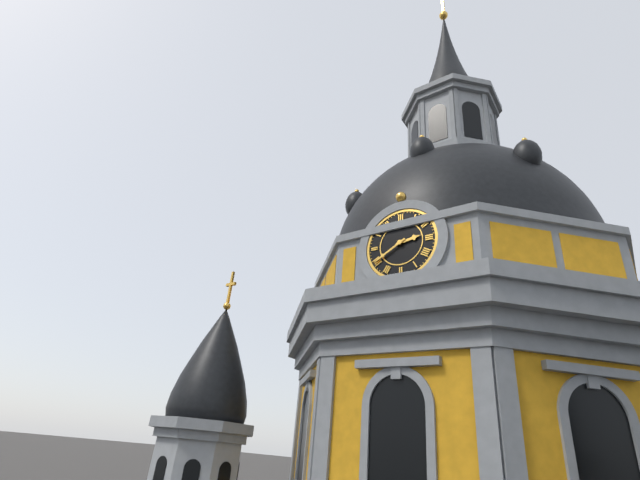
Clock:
2 h 40 min
